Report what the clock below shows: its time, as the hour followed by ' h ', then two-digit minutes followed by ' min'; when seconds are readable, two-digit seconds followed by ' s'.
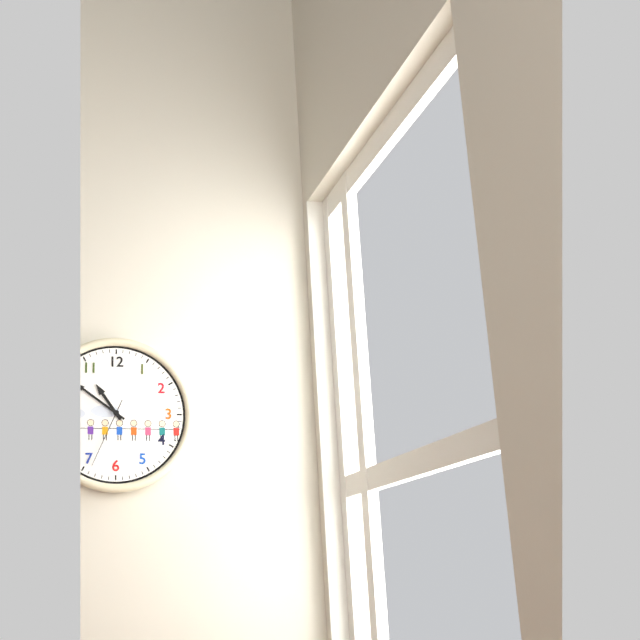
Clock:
10 h 51 min 34 s
